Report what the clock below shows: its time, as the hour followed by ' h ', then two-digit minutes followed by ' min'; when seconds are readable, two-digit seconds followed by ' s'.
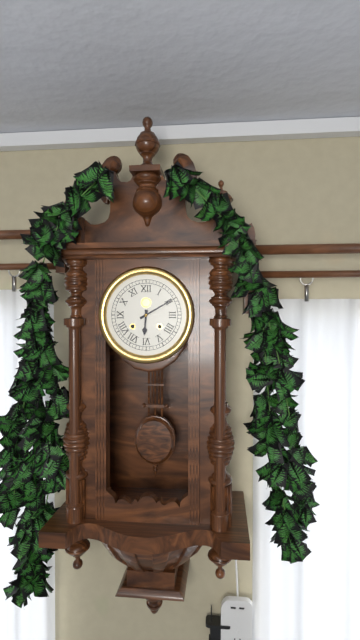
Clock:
6 h 10 min
